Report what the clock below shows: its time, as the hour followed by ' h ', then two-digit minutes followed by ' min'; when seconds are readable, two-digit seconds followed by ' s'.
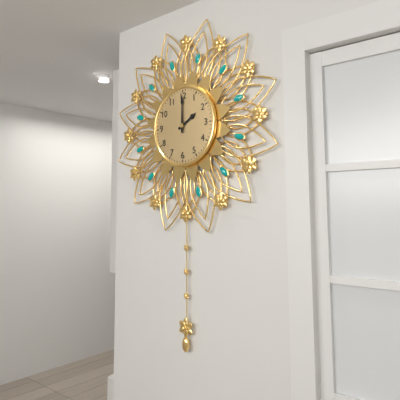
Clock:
2 h 00 min
